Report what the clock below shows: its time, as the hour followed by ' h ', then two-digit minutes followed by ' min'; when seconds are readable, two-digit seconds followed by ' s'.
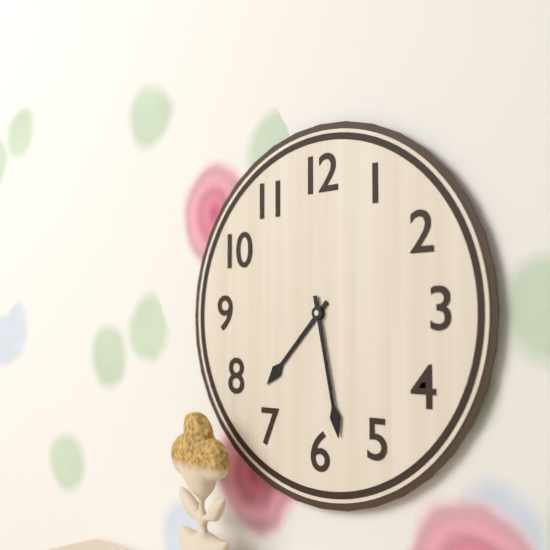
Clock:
7 h 28 min
